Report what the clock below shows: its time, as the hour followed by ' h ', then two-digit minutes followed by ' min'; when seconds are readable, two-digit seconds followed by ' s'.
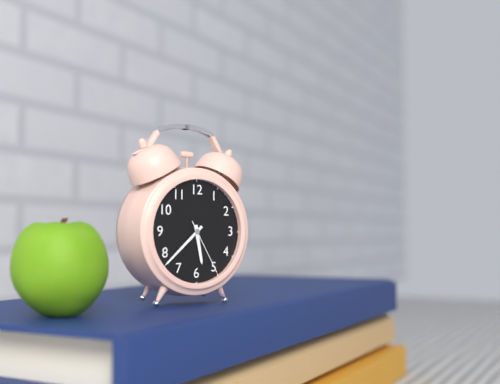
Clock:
5 h 38 min 25 s
